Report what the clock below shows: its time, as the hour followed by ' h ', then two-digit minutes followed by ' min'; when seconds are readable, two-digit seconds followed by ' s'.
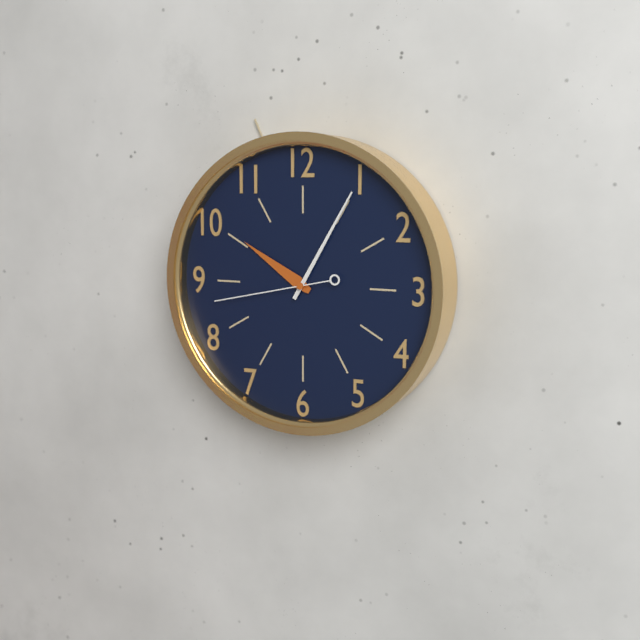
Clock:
10 h 05 min 43 s
